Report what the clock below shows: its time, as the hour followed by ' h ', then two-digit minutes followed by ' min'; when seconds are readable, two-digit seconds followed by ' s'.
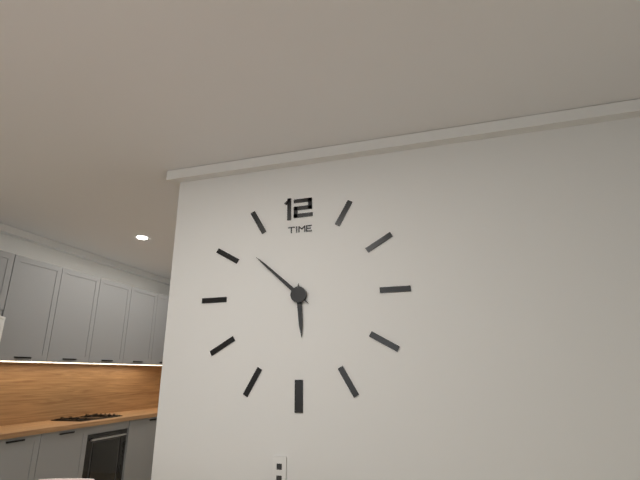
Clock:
5 h 52 min
